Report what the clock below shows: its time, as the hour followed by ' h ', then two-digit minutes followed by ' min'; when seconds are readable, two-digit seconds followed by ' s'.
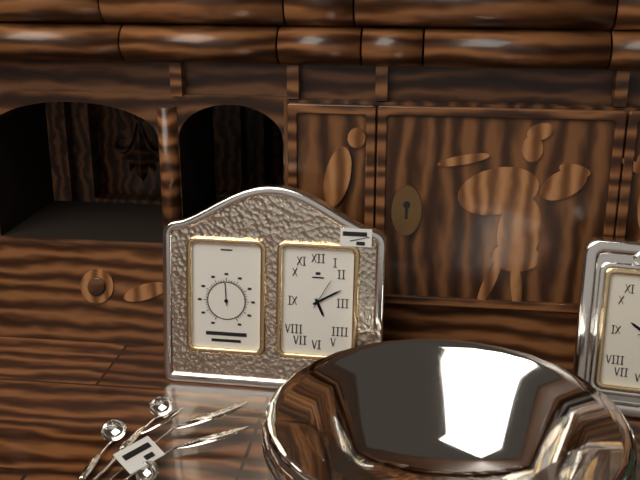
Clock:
5 h 10 min
